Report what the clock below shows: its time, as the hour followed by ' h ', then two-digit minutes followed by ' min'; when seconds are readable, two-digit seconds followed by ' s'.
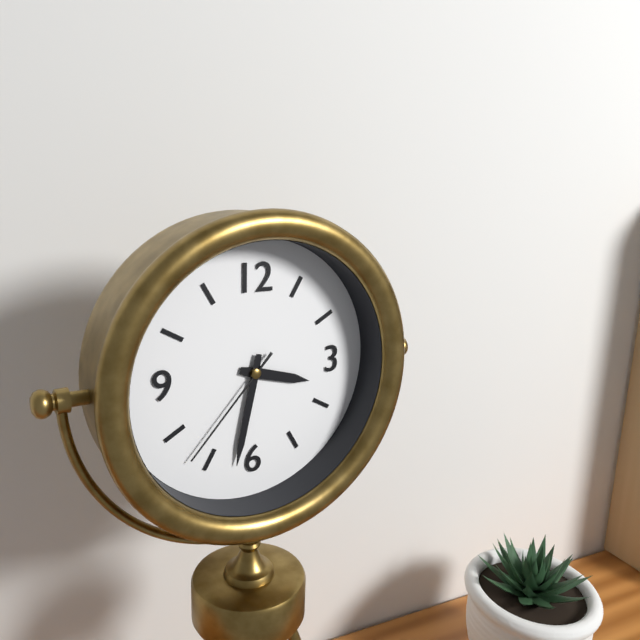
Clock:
3 h 32 min 37 s
